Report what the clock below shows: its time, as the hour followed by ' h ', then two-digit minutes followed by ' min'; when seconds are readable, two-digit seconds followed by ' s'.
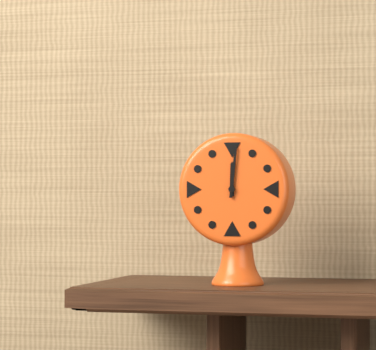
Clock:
12 h 01 min
